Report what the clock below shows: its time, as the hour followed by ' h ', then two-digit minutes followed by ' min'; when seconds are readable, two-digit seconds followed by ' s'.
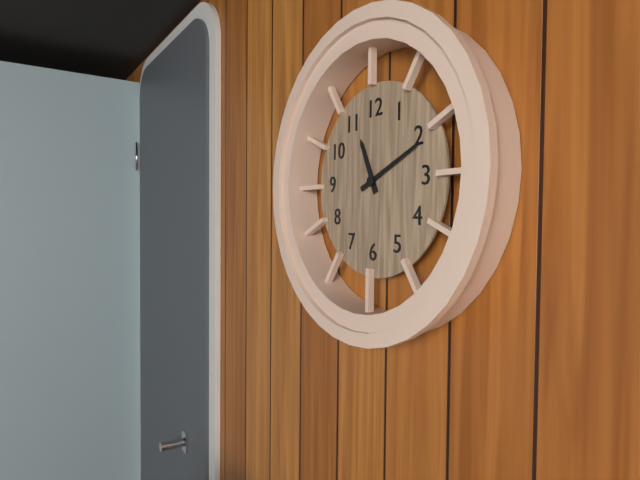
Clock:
11 h 11 min
